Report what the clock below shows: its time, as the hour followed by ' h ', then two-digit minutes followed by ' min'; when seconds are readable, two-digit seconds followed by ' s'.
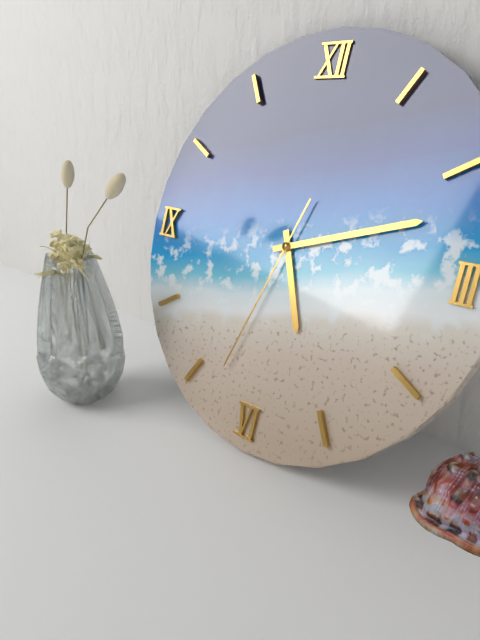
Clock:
5 h 12 min 33 s
